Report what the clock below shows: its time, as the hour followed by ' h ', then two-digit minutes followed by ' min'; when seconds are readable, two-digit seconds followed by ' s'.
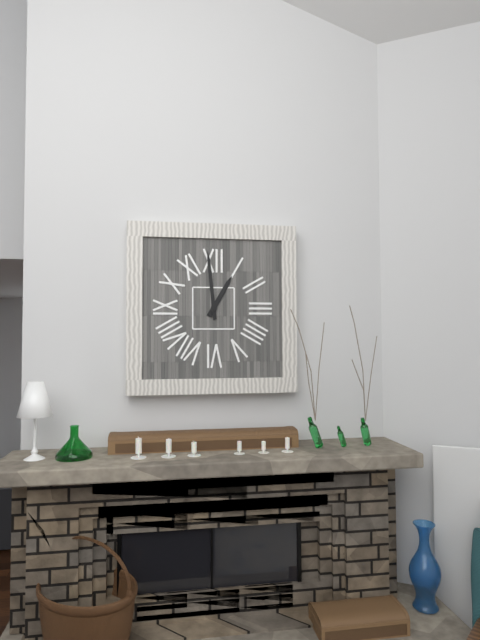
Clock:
12 h 59 min
